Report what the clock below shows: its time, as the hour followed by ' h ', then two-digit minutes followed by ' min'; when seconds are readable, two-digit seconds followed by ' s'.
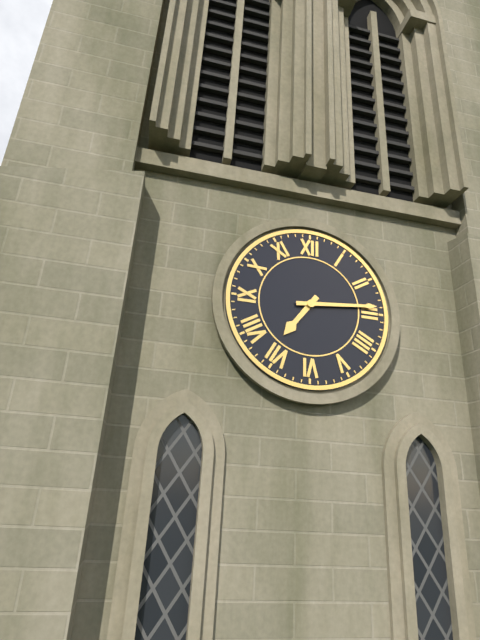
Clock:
7 h 14 min
